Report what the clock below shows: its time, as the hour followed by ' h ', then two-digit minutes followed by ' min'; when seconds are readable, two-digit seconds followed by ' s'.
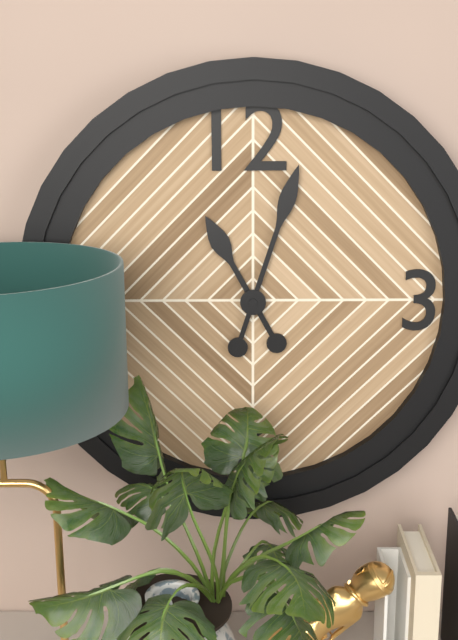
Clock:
11 h 03 min
